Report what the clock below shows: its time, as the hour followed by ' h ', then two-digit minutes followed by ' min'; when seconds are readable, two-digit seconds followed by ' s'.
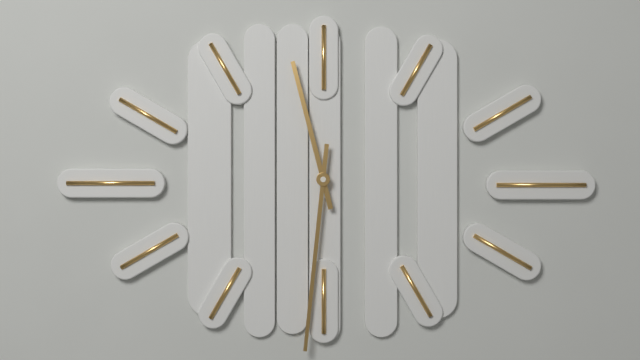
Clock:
11 h 31 min
